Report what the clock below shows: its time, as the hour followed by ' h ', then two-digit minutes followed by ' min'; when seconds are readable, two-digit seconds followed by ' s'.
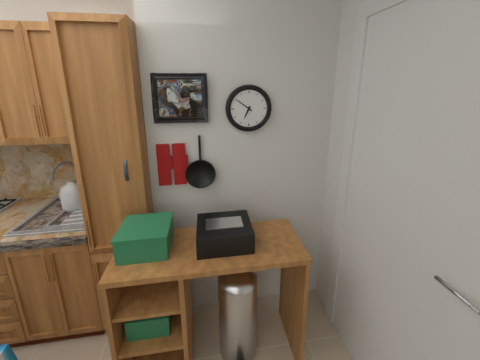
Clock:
6 h 51 min
